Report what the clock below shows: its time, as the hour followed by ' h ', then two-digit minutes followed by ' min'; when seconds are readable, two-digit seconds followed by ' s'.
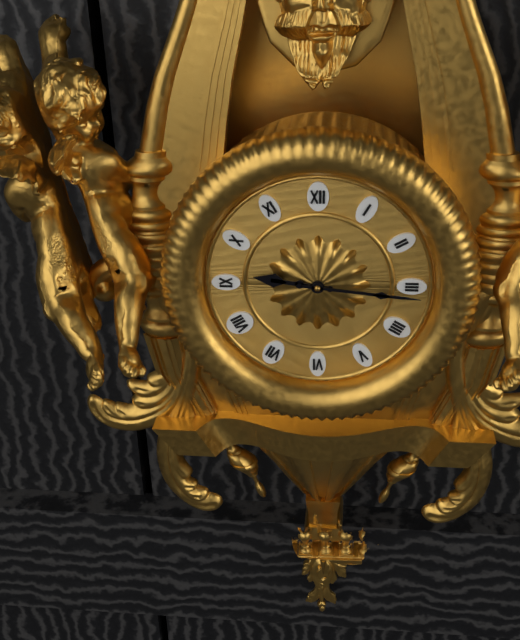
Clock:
9 h 16 min
